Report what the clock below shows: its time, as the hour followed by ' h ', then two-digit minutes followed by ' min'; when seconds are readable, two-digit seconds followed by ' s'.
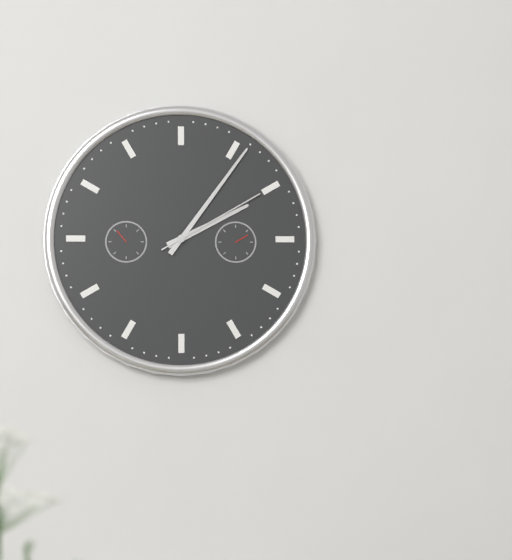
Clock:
2 h 06 min 10 s
